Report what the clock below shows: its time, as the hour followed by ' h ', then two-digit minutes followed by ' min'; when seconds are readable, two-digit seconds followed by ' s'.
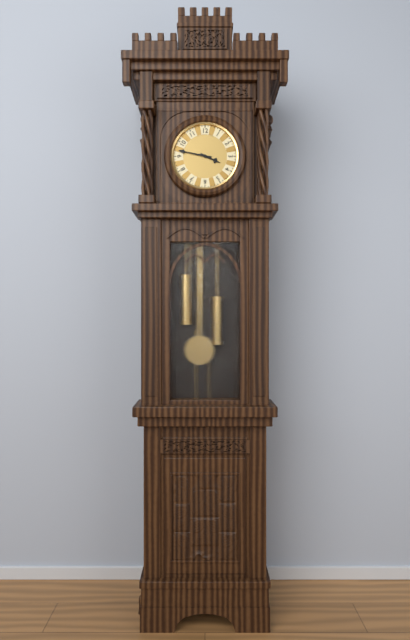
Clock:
3 h 47 min
